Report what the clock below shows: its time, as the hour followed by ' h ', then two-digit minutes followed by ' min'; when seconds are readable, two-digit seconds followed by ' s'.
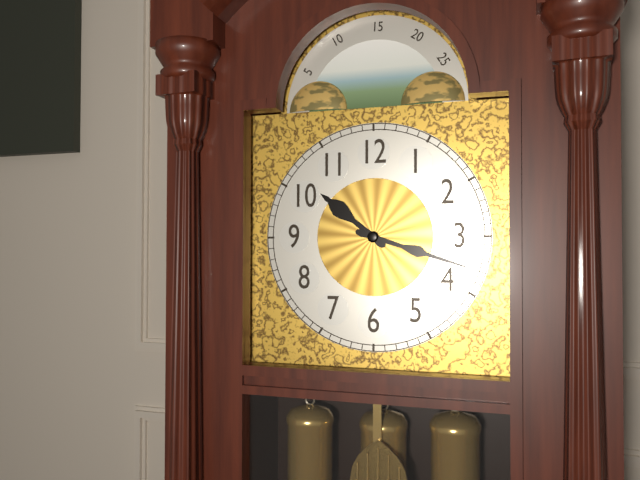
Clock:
10 h 18 min
